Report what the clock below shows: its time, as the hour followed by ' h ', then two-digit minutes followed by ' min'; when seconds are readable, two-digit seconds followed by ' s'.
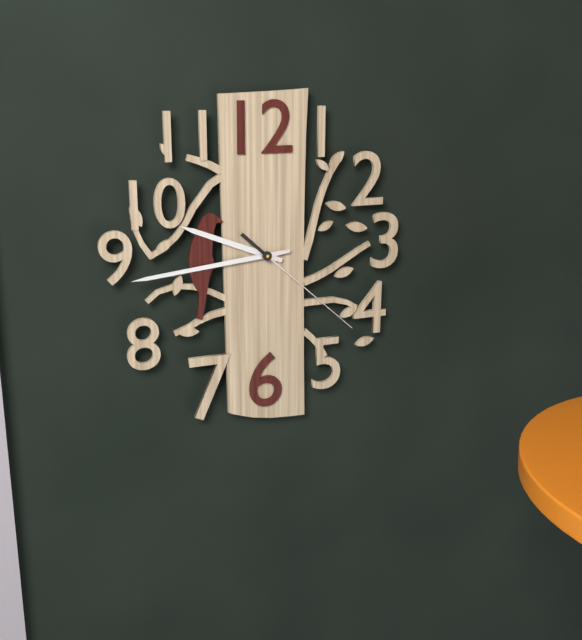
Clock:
9 h 44 min 22 s
